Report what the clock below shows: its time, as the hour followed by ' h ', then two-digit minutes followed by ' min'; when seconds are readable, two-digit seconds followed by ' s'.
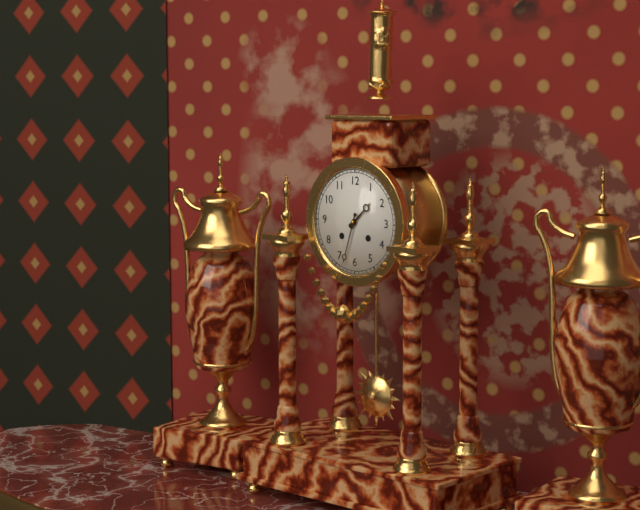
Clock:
1 h 33 min
